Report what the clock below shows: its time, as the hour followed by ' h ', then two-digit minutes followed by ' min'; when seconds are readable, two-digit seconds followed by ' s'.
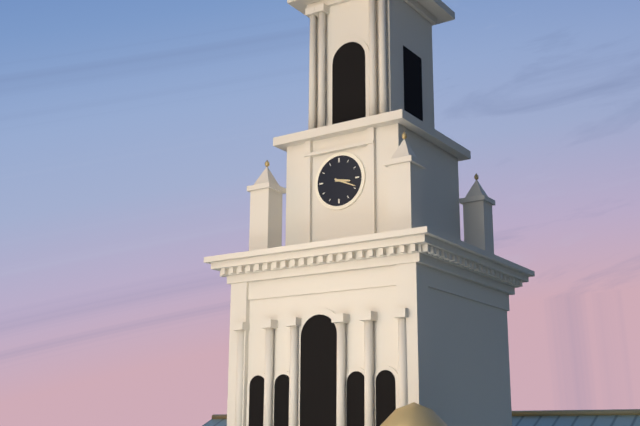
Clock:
3 h 19 min
